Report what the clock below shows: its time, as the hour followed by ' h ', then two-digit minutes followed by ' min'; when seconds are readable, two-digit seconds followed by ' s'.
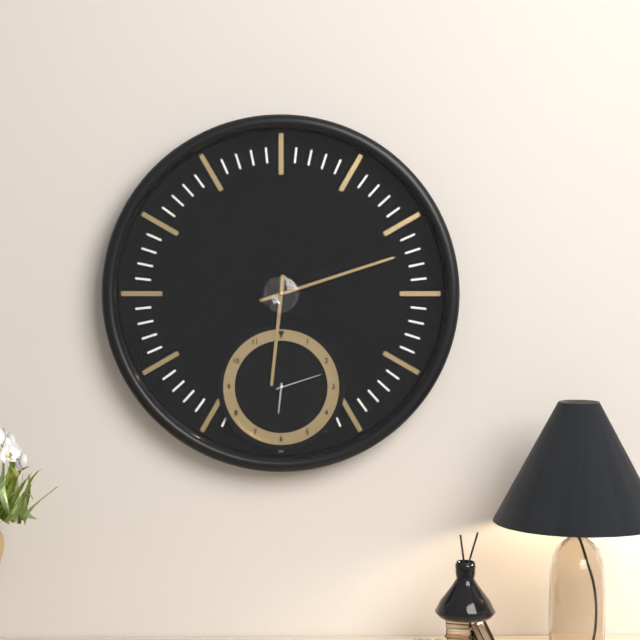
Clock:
6 h 12 min
